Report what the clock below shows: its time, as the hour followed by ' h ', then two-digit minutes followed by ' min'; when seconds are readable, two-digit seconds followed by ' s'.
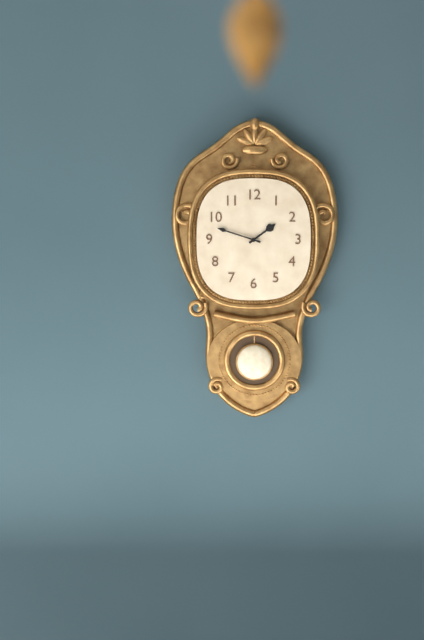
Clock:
1 h 48 min
